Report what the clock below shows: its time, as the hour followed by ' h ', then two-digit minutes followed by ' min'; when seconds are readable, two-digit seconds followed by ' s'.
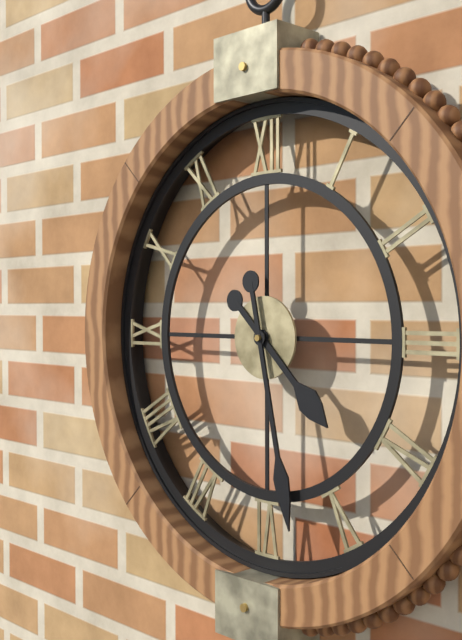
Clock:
4 h 28 min
